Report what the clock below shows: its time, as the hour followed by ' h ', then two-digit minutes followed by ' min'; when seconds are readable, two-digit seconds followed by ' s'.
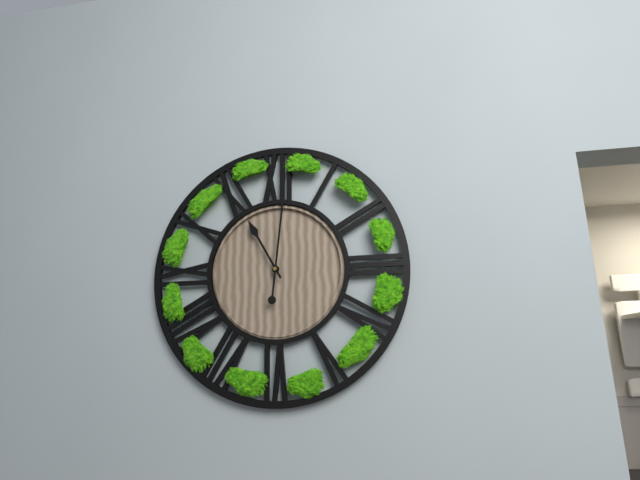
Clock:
11 h 01 min
